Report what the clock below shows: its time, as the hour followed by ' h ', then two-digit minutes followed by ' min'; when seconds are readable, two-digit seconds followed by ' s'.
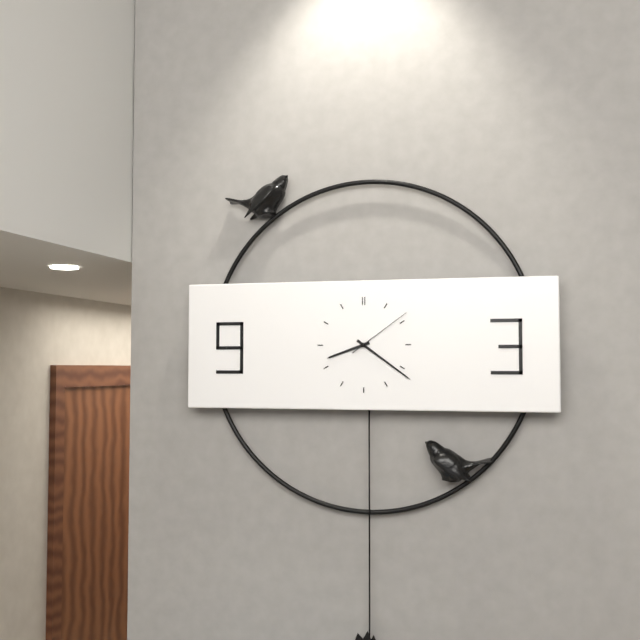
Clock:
8 h 21 min 09 s
